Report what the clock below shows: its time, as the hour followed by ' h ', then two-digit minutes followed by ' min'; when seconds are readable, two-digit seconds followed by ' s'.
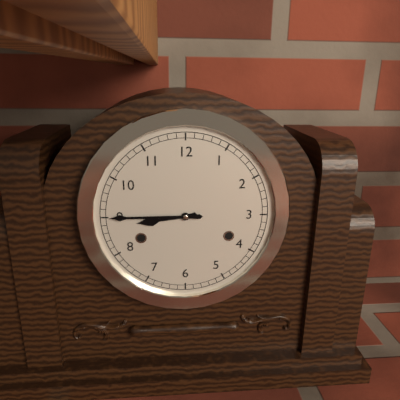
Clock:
8 h 45 min
